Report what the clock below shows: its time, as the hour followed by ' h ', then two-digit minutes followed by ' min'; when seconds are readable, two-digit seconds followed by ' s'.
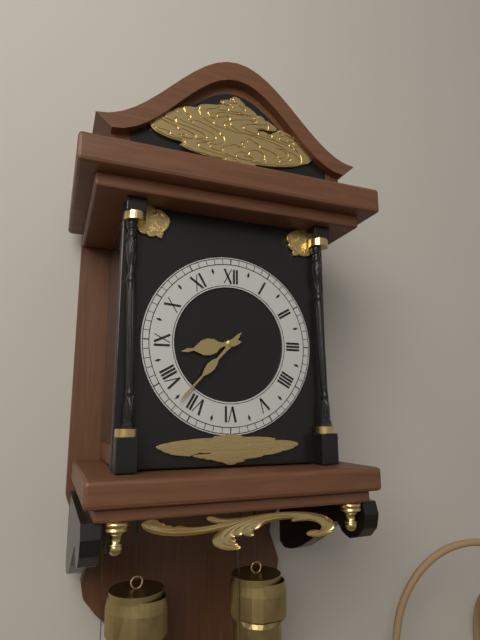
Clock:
8 h 37 min
